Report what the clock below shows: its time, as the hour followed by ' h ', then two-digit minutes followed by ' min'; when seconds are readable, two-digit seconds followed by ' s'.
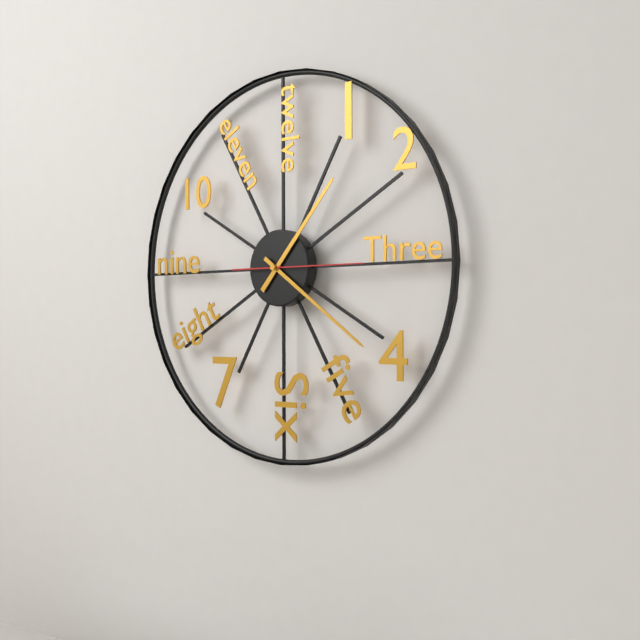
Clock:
1 h 21 min 15 s
